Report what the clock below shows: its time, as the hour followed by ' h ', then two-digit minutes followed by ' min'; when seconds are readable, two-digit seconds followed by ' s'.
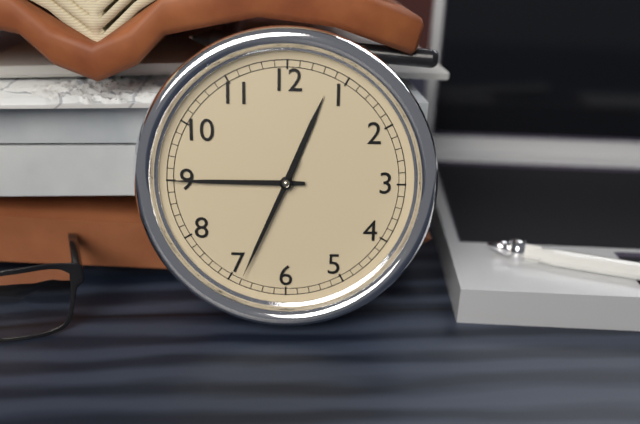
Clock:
12 h 45 min 34 s
